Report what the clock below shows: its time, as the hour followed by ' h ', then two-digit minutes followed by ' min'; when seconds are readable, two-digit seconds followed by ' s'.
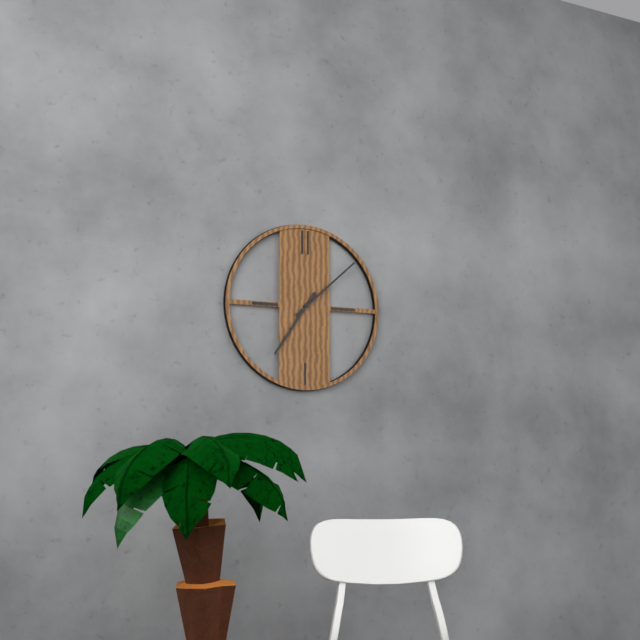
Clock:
7 h 08 min
